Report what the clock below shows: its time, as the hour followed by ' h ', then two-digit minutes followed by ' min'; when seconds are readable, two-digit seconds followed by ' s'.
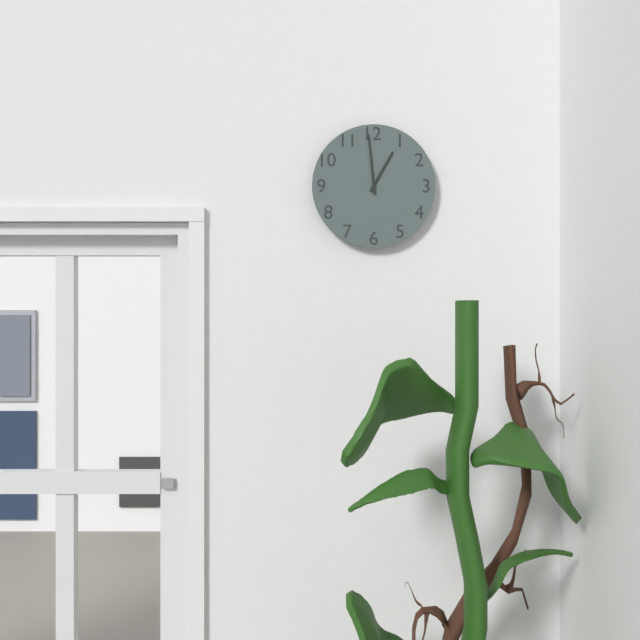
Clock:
12 h 59 min
